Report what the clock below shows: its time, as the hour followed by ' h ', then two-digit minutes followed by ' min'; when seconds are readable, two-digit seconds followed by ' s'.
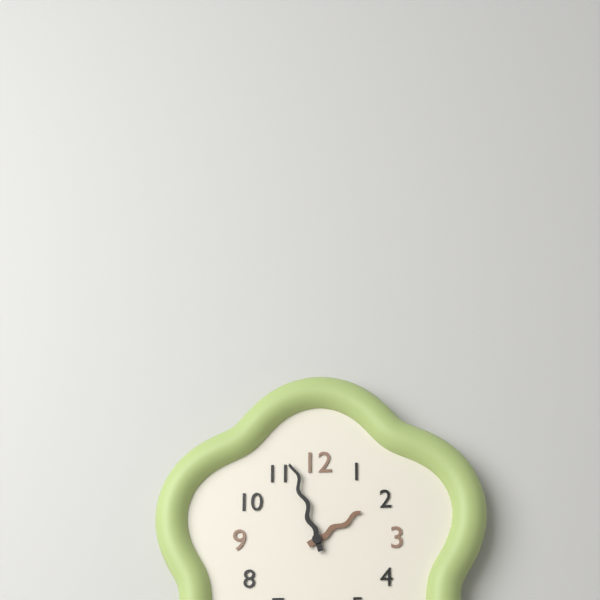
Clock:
1 h 57 min
